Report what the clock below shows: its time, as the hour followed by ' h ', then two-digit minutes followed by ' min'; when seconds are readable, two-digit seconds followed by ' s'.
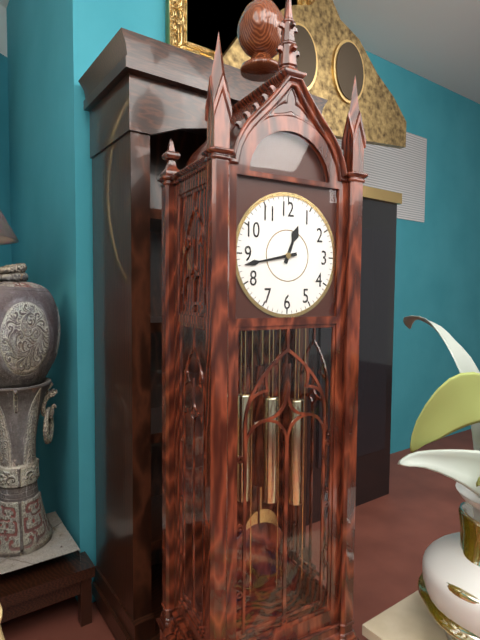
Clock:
12 h 43 min
